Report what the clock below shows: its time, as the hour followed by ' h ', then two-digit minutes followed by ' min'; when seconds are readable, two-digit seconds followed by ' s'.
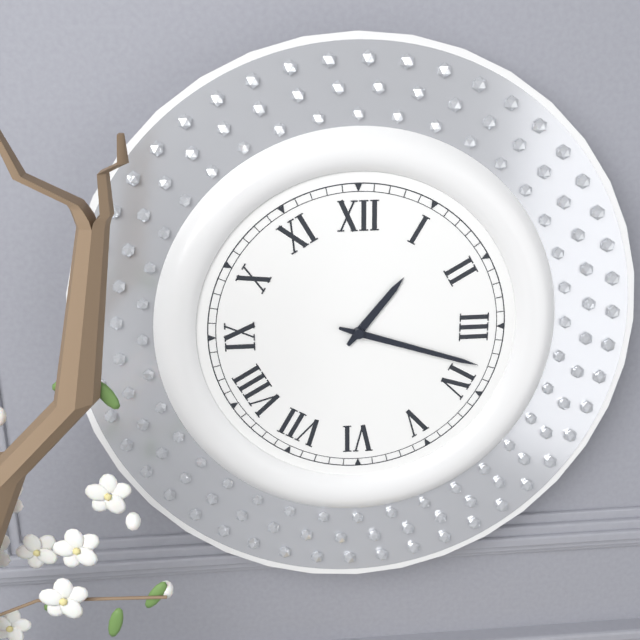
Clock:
1 h 18 min
